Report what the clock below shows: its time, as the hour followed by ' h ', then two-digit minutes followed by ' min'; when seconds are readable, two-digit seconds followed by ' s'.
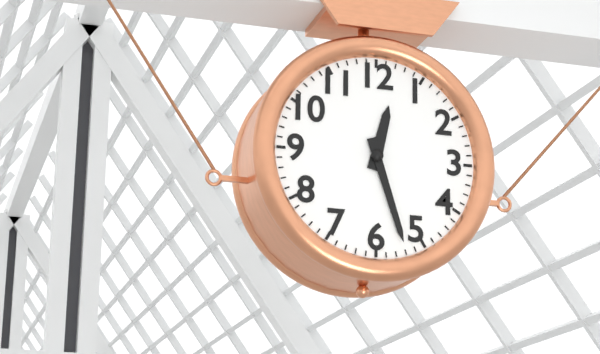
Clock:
12 h 27 min
